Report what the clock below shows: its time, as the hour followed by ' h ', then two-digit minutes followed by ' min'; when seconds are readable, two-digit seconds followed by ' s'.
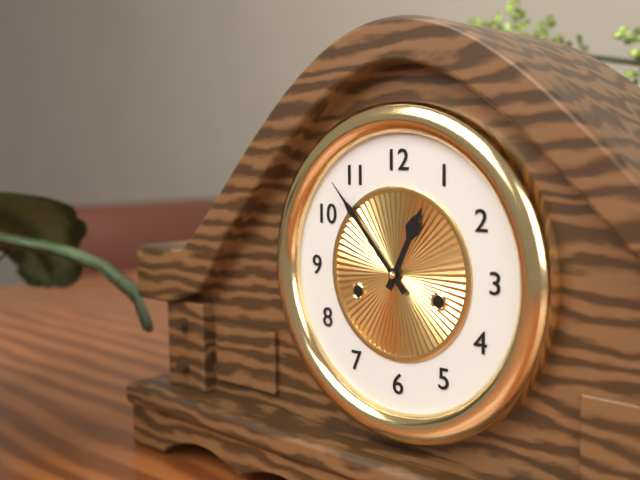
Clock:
12 h 53 min
